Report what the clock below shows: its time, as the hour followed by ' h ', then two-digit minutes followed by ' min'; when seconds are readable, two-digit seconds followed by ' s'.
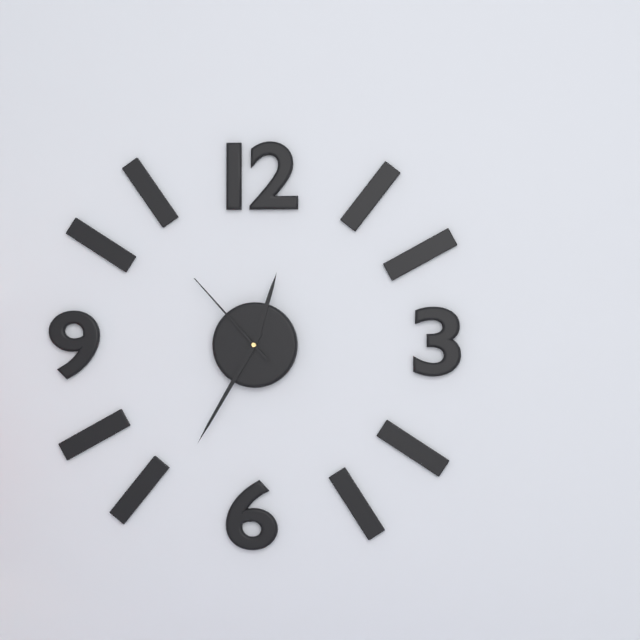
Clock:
12 h 35 min 53 s
